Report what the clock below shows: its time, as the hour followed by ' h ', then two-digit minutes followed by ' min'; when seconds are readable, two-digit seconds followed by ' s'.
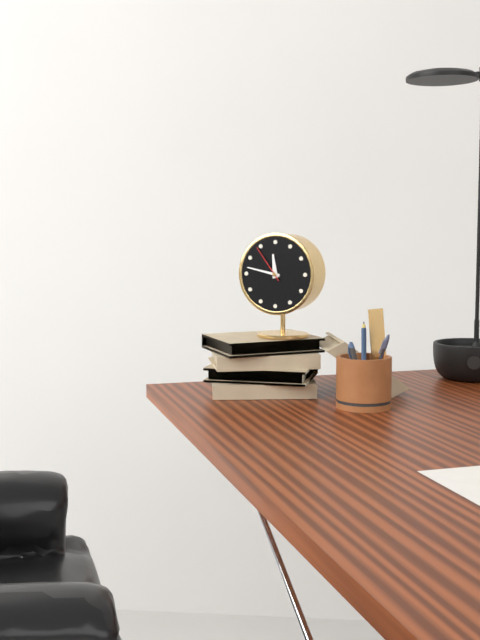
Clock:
11 h 47 min
